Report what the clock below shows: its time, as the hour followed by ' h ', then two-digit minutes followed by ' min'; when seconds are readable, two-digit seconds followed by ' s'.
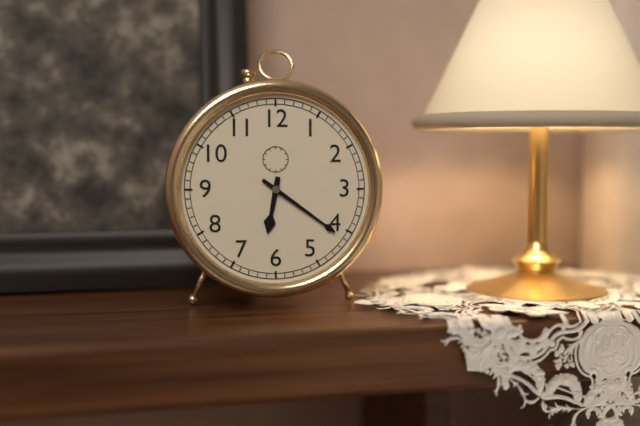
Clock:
6 h 21 min
